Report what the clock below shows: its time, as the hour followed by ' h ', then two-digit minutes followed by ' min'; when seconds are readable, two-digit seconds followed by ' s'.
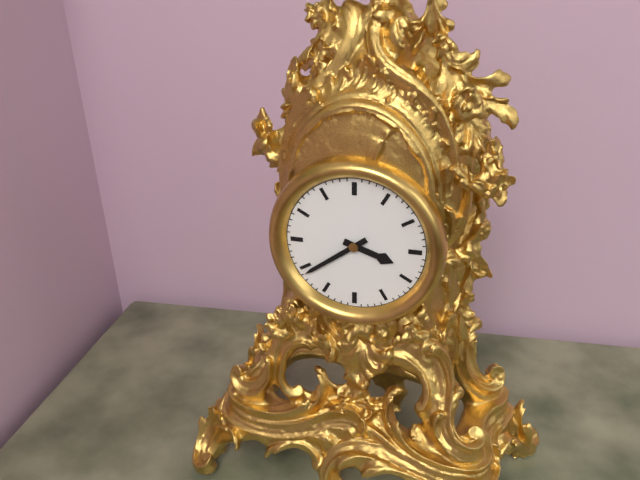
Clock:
3 h 39 min
